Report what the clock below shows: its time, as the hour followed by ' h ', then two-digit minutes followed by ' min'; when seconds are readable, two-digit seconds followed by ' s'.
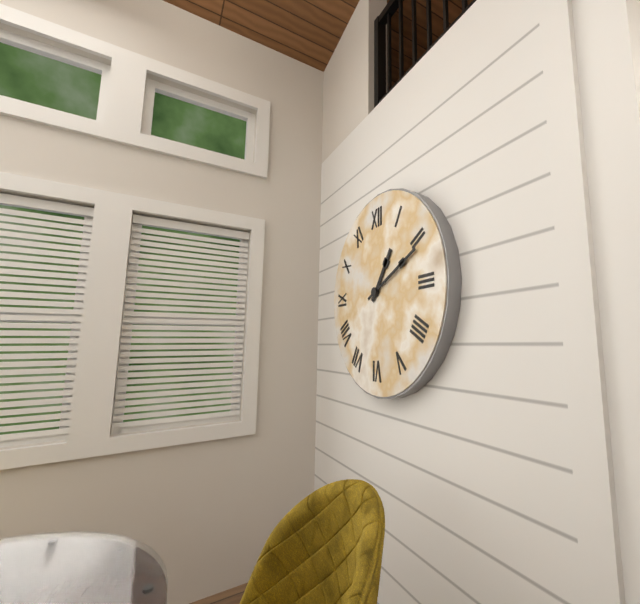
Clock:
1 h 11 min
